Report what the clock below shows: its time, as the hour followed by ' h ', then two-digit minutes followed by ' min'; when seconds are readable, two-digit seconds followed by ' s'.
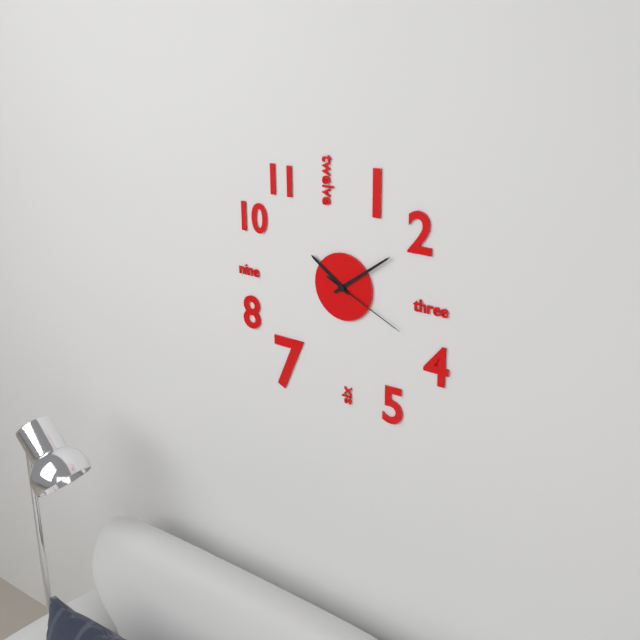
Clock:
10 h 09 min 19 s
